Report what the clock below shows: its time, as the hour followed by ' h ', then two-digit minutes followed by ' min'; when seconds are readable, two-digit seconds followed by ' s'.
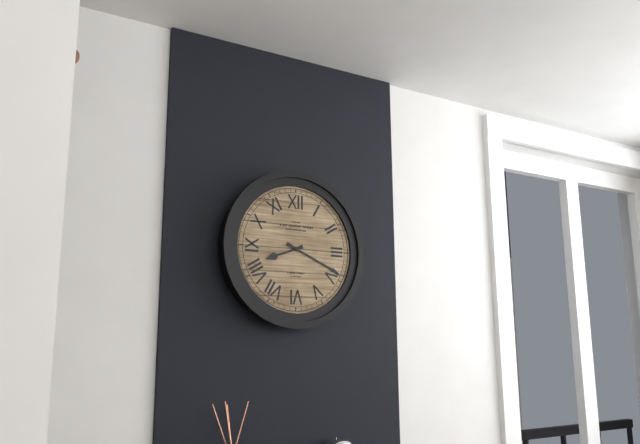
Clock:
8 h 19 min
